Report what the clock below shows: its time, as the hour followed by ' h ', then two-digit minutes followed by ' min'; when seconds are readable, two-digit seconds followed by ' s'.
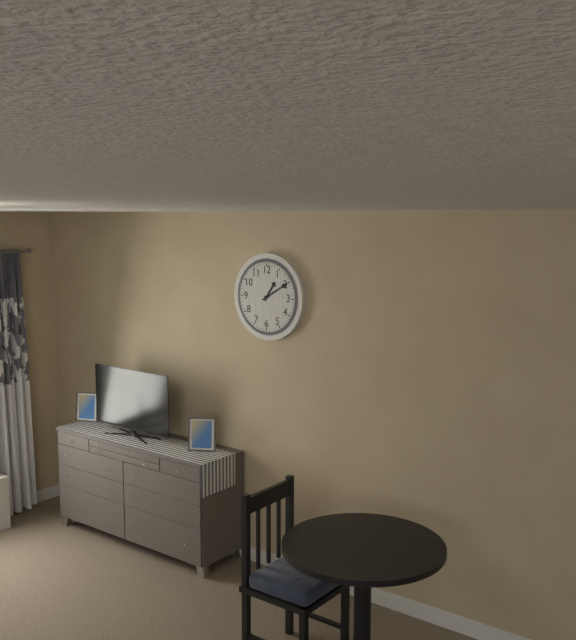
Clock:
1 h 10 min
